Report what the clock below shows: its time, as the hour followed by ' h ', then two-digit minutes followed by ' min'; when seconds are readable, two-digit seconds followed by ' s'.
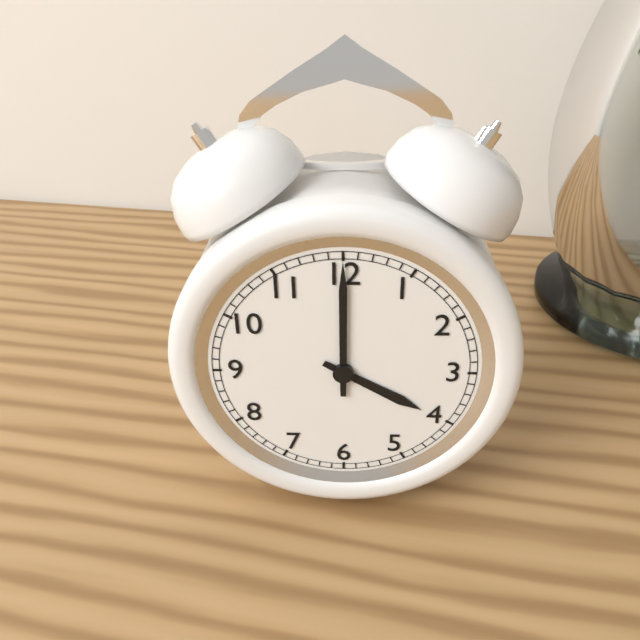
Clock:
4 h 00 min
